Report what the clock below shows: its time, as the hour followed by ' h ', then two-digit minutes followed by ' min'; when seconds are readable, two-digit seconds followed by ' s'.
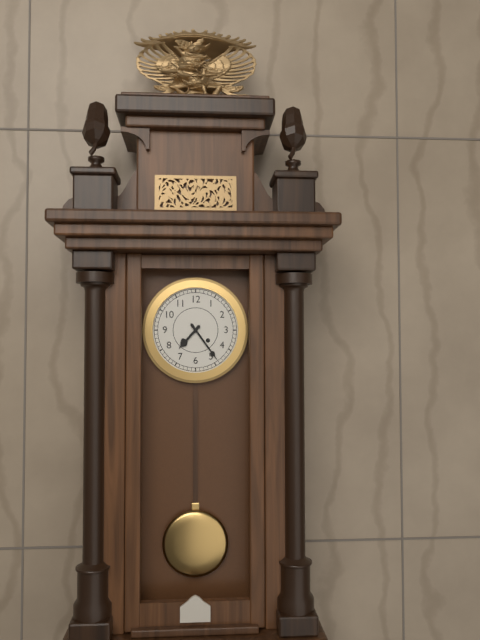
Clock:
7 h 24 min
